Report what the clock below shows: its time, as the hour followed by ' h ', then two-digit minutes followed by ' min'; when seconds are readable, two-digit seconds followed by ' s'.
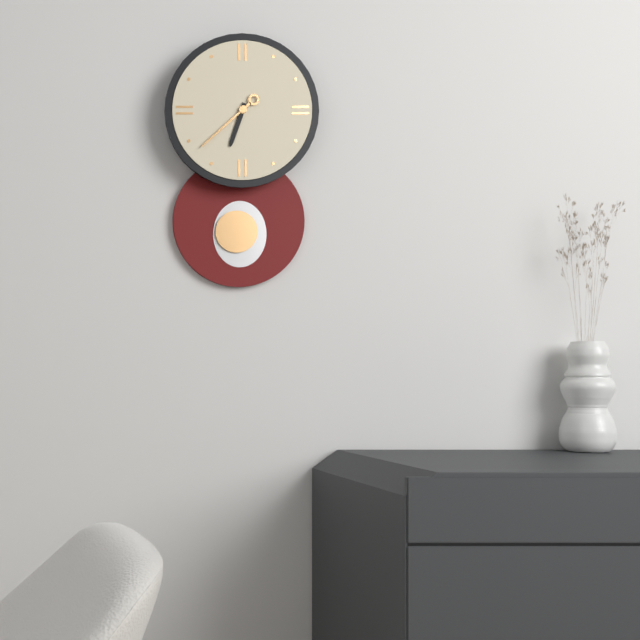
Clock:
6 h 38 min
